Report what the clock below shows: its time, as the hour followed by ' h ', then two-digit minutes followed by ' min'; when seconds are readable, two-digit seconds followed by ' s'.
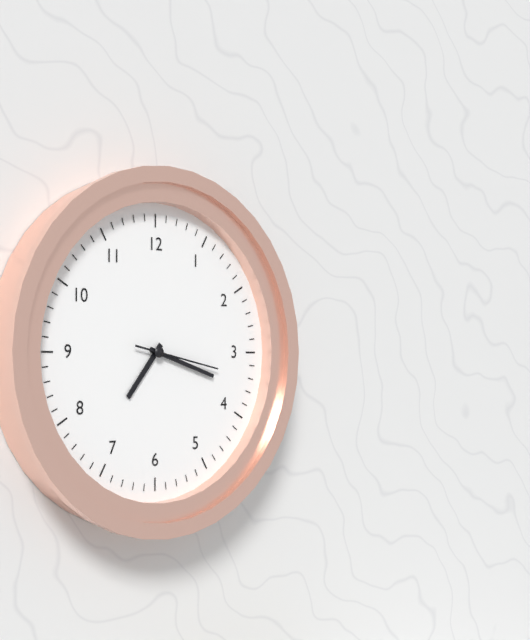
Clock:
7 h 18 min 17 s
